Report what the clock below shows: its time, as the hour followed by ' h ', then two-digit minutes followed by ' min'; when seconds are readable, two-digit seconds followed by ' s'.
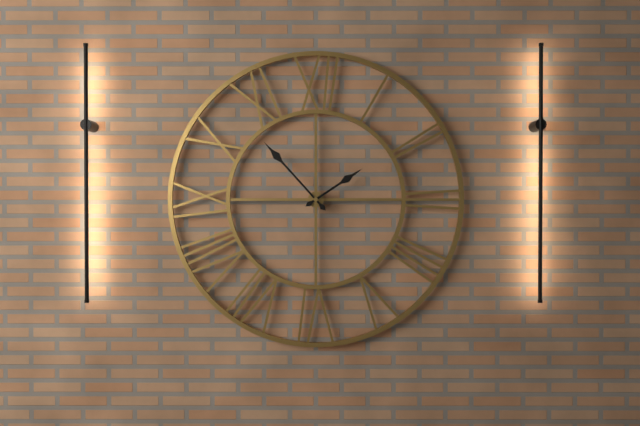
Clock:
1 h 53 min
